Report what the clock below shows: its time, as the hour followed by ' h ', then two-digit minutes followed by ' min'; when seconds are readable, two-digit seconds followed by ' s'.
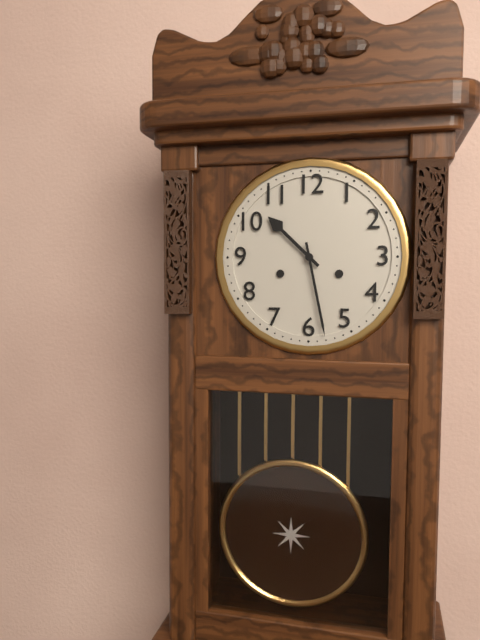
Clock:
10 h 28 min
